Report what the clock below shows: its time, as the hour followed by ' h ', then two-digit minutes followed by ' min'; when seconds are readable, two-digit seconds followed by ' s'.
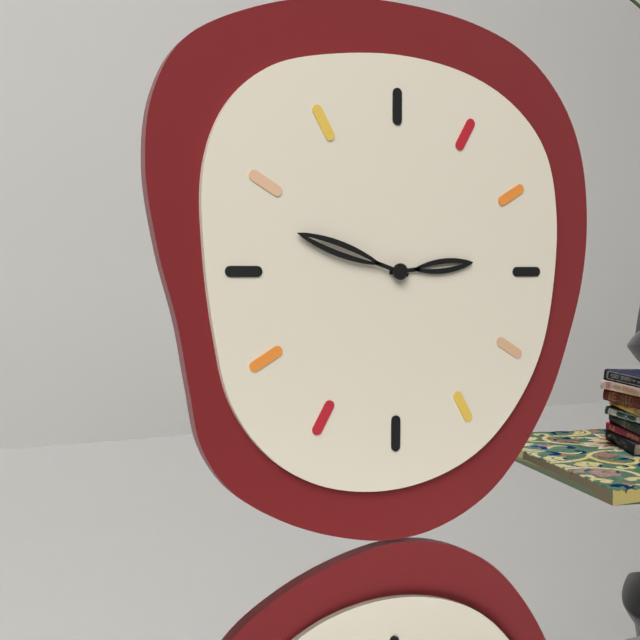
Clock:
2 h 48 min
